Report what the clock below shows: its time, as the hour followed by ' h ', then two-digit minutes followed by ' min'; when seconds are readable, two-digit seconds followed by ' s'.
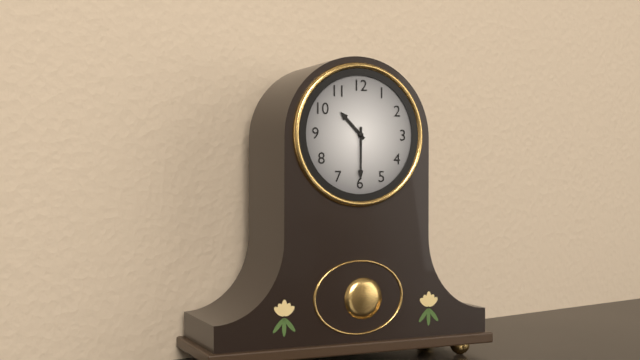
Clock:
10 h 30 min
